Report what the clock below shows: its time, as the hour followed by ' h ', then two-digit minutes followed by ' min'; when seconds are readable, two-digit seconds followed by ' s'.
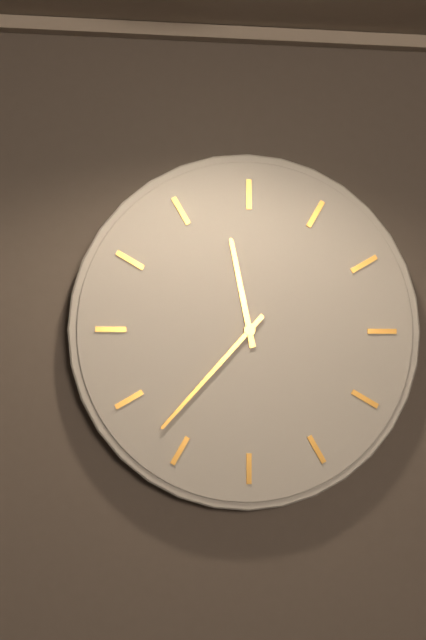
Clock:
11 h 37 min
